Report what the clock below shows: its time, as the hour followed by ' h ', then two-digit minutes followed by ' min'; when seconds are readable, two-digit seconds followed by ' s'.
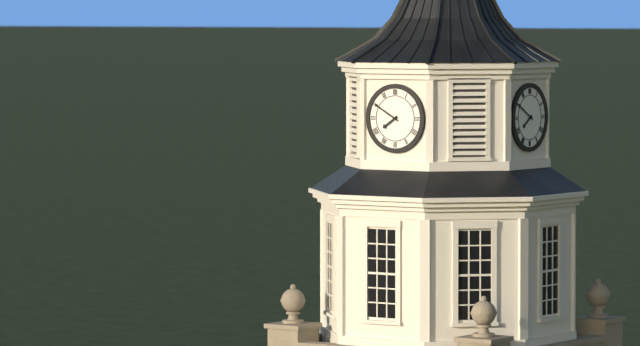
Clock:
7 h 50 min
